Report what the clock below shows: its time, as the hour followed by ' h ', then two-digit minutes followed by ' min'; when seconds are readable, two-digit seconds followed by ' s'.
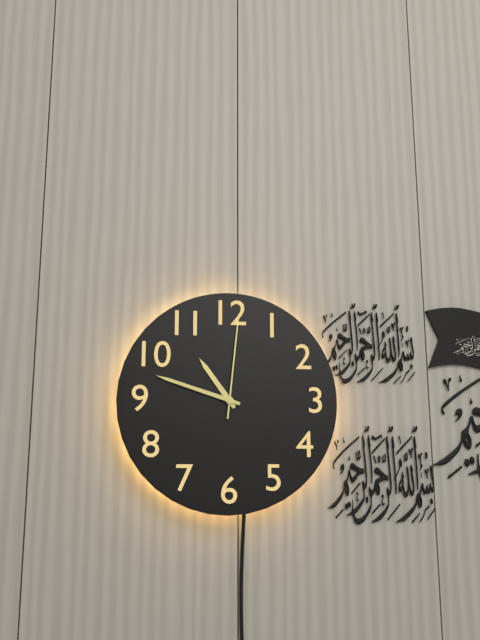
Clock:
10 h 48 min 01 s
